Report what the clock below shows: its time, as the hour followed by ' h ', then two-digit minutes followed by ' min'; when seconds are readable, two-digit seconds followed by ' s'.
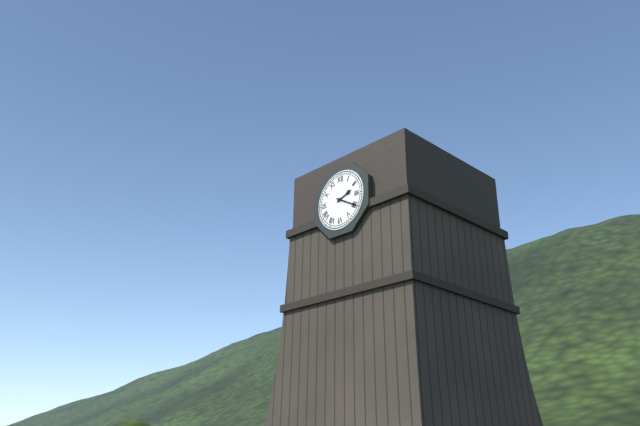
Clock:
2 h 20 min
